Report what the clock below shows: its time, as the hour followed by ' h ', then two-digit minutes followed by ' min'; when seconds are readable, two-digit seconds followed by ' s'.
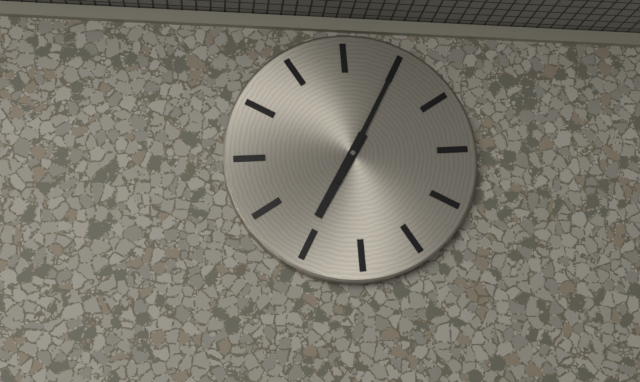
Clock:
7 h 05 min
